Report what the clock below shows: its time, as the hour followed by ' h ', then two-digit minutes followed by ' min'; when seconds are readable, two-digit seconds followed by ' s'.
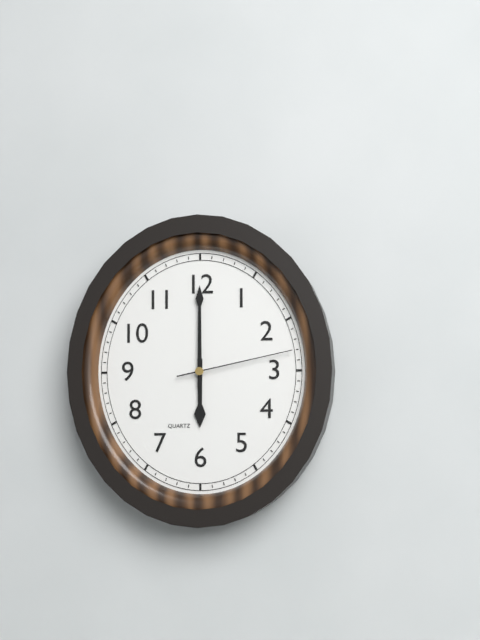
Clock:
6 h 00 min 13 s
